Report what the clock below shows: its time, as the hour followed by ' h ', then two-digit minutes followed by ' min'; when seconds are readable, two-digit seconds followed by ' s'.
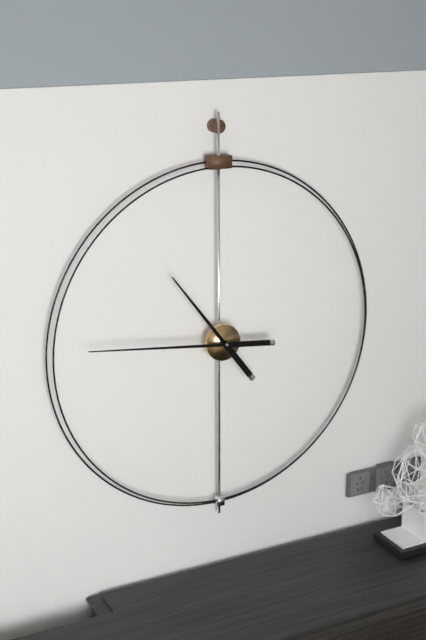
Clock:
10 h 46 min
